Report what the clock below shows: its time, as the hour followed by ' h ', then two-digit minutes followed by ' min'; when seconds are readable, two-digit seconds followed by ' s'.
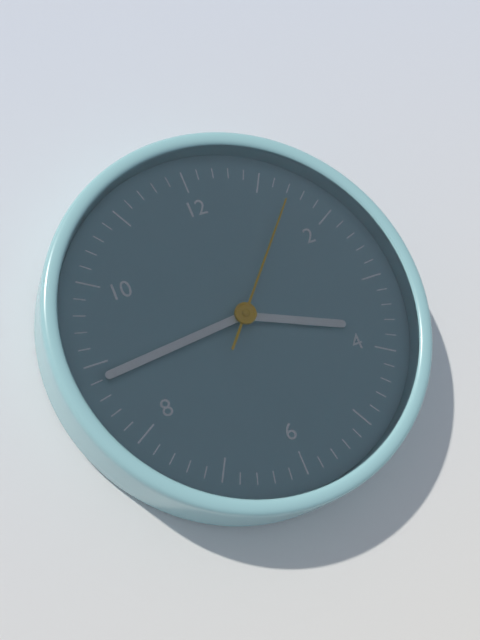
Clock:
3 h 44 min 07 s
